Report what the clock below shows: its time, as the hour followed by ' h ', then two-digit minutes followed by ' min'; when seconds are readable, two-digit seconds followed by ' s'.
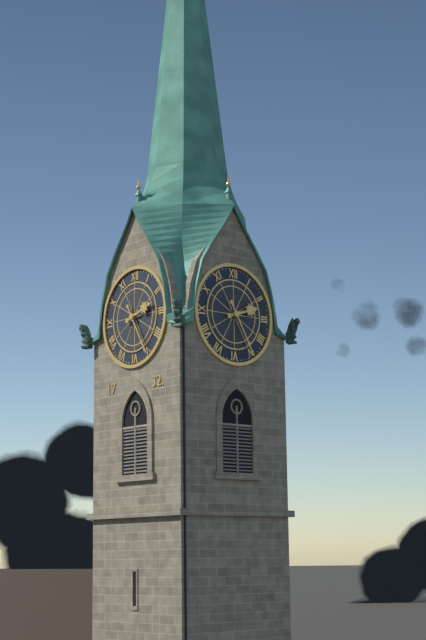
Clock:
2 h 25 min
